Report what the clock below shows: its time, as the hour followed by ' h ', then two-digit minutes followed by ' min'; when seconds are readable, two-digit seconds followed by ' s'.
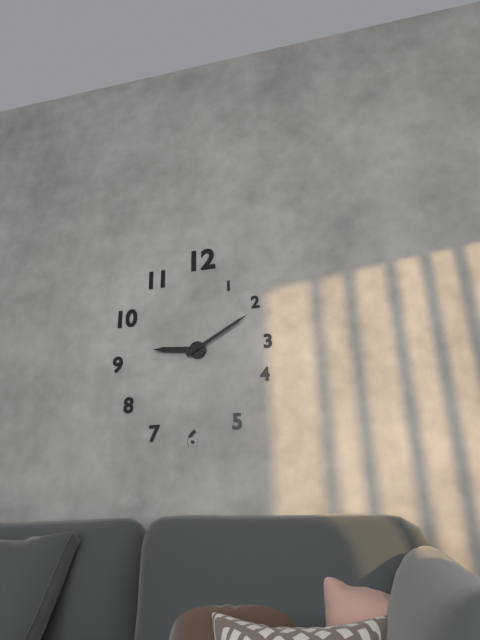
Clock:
9 h 10 min
